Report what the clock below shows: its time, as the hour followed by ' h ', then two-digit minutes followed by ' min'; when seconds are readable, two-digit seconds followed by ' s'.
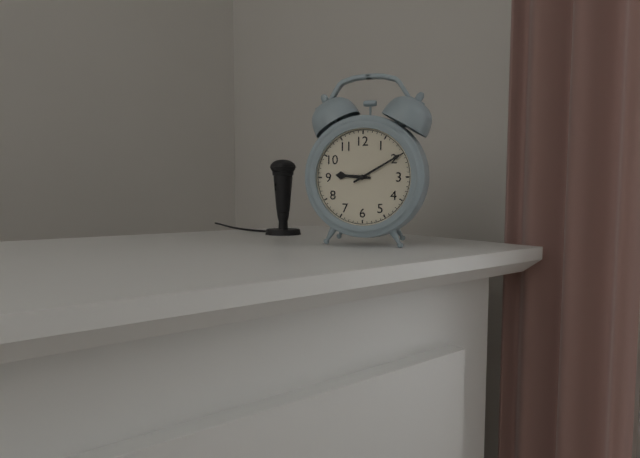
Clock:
9 h 10 min
